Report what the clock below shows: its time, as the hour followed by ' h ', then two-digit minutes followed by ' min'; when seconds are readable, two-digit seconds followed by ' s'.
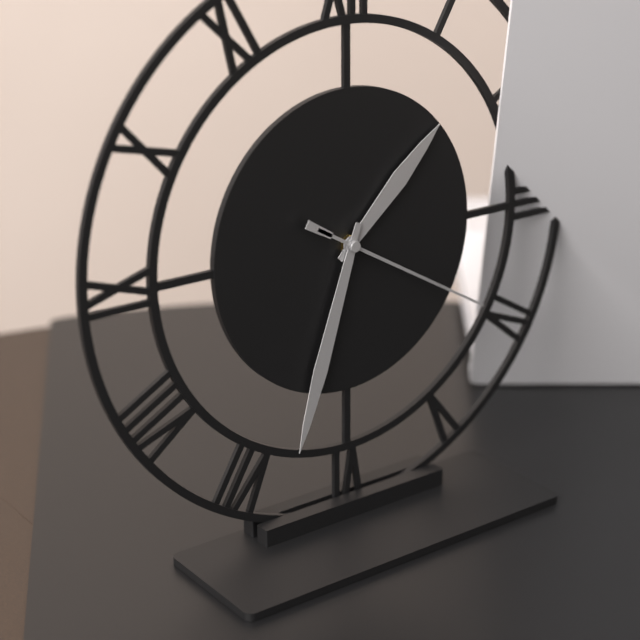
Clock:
1 h 33 min 20 s
